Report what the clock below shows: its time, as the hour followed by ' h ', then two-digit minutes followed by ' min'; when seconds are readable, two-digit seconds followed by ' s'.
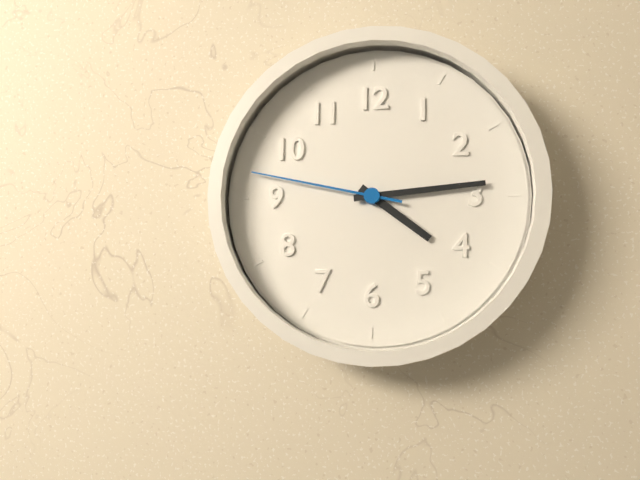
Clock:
4 h 14 min 47 s
